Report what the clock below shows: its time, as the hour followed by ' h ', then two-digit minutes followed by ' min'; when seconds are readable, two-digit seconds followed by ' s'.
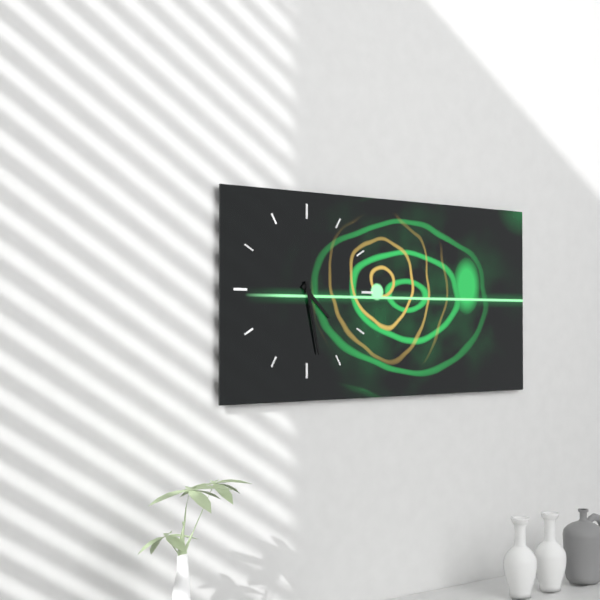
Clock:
4 h 28 min
